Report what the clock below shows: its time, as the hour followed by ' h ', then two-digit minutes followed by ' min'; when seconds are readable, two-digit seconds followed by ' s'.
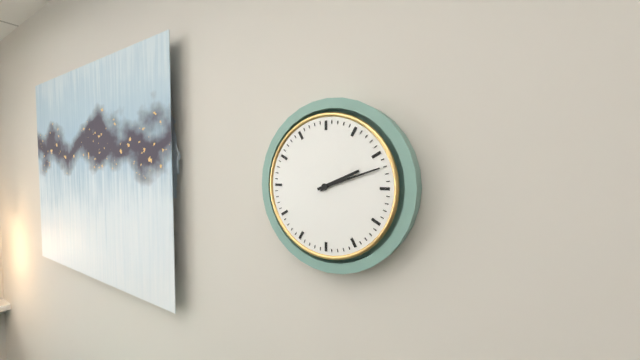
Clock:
2 h 12 min
